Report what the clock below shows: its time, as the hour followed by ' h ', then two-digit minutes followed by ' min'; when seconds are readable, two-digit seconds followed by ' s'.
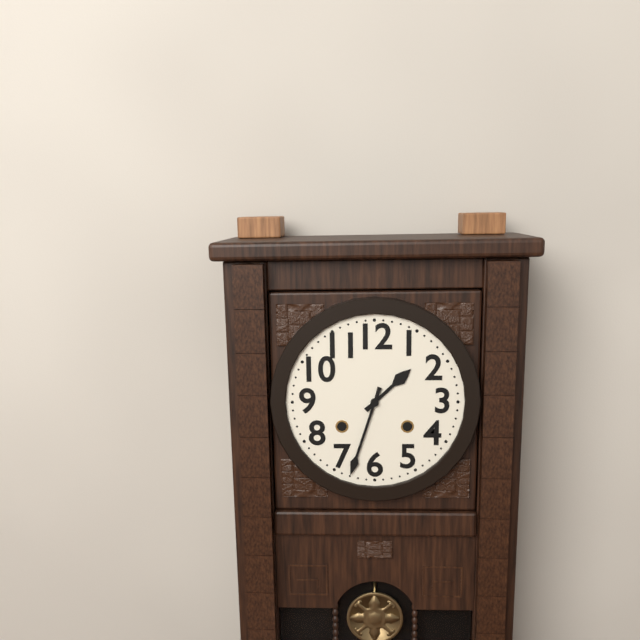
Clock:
1 h 33 min
